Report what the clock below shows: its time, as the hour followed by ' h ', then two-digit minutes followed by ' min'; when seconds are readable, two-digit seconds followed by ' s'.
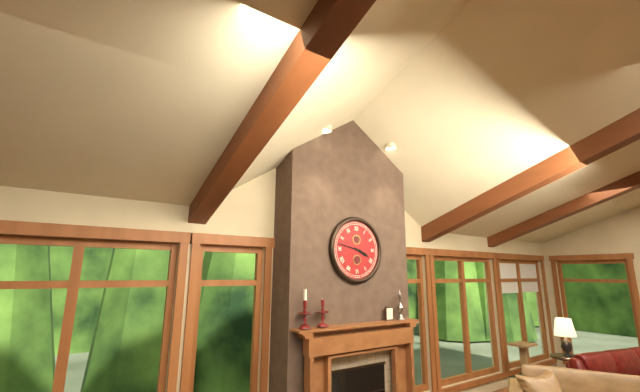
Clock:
3 h 47 min
